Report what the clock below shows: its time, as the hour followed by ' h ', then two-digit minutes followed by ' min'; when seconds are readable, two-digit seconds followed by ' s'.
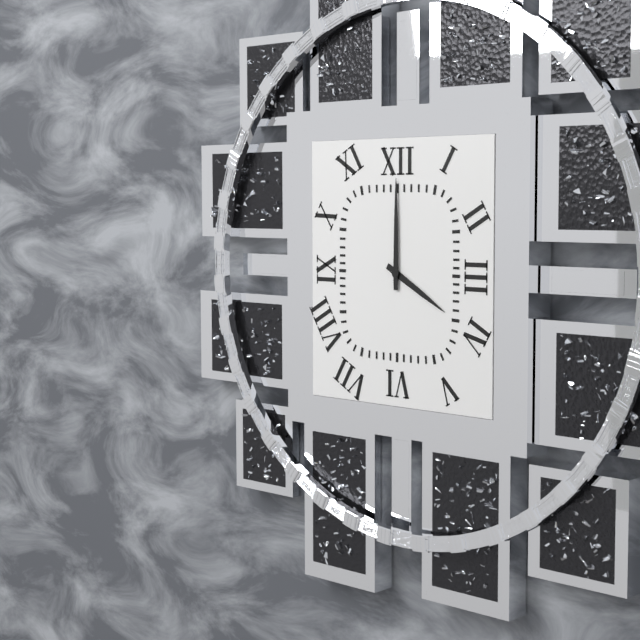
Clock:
4 h 00 min
